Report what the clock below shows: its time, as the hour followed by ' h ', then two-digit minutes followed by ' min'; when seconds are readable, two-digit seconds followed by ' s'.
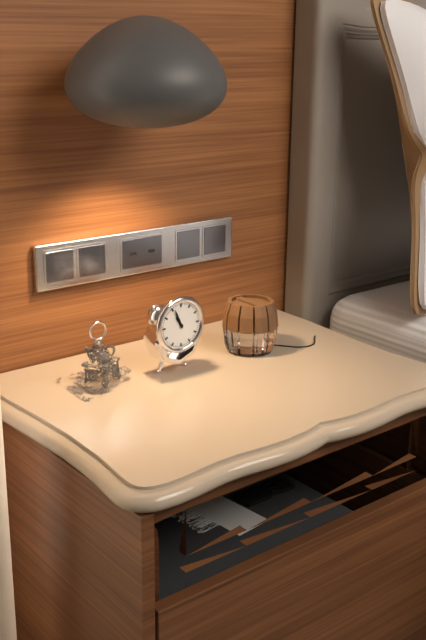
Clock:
10 h 56 min
